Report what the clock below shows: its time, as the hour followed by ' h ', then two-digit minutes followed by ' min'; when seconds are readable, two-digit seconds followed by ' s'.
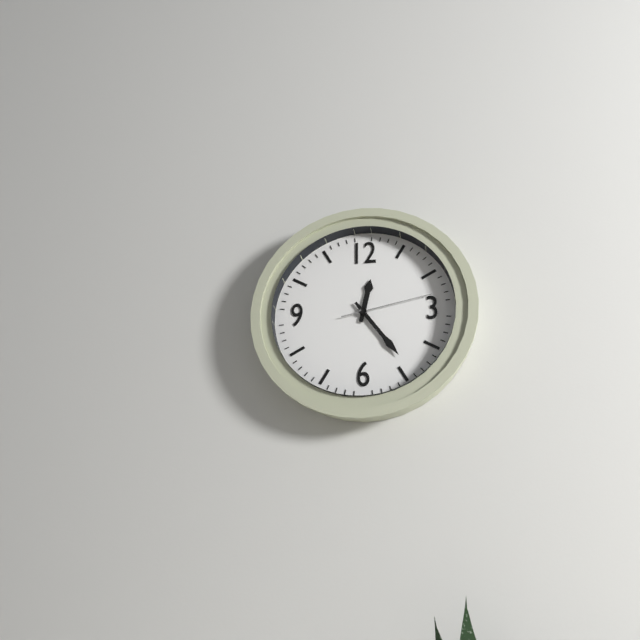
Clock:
12 h 24 min 13 s
